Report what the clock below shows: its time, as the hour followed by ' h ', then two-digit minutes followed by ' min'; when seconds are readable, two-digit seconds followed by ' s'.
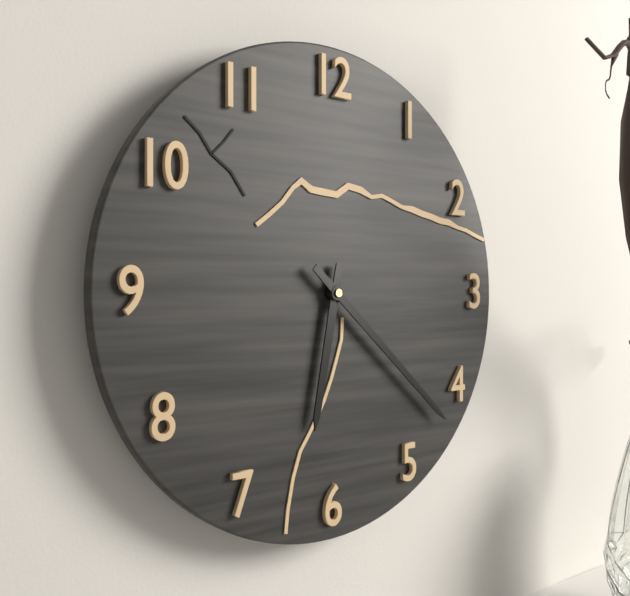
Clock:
6 h 22 min
